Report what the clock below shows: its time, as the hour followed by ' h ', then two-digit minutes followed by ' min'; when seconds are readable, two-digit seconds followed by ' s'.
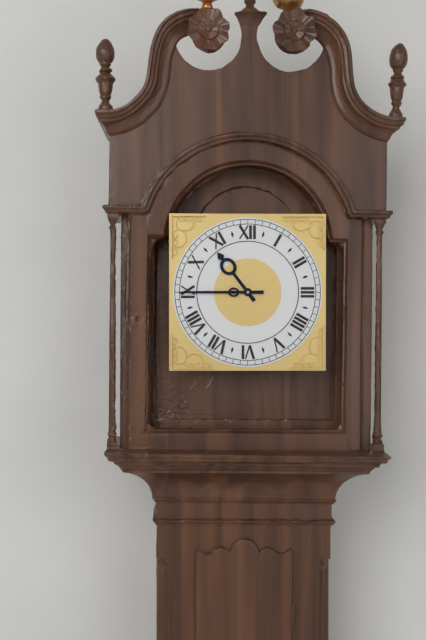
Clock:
10 h 45 min
